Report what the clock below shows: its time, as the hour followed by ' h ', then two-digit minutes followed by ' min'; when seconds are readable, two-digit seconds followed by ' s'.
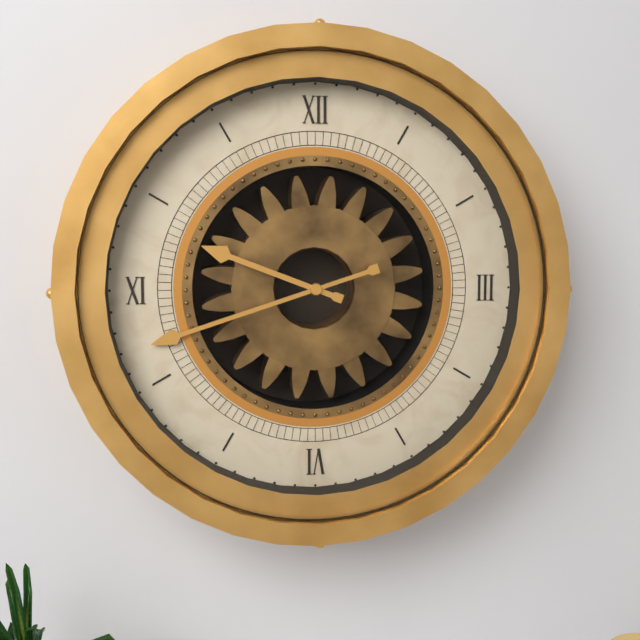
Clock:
9 h 42 min
